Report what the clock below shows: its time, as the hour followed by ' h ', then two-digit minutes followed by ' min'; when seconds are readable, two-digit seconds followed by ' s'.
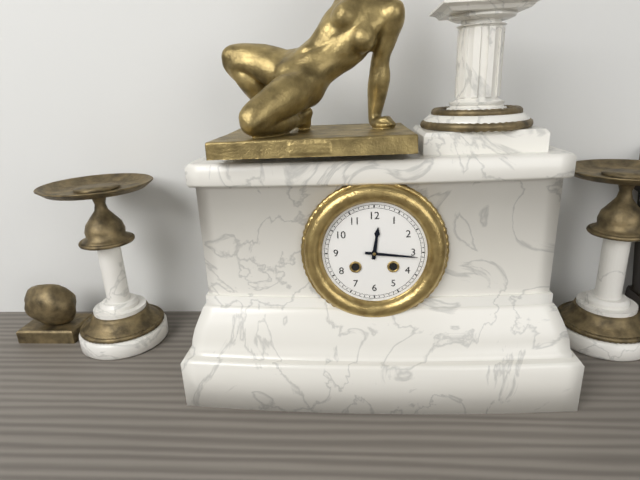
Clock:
12 h 16 min
